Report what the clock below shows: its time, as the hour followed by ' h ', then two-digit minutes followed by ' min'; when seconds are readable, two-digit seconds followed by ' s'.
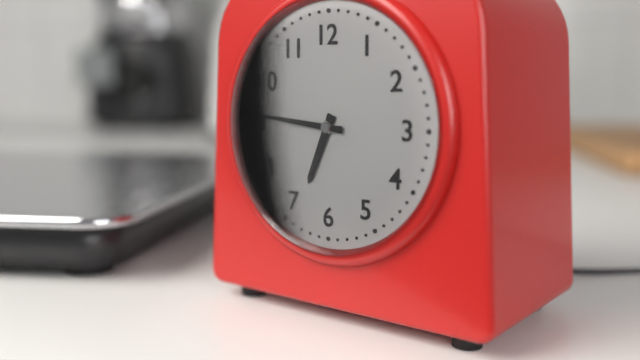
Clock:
6 h 46 min
